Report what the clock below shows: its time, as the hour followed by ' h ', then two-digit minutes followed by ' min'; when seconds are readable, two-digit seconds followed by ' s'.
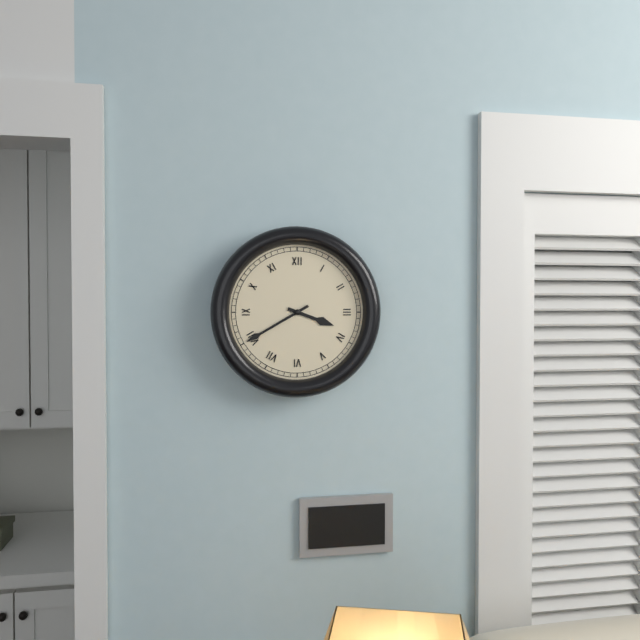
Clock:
3 h 40 min
